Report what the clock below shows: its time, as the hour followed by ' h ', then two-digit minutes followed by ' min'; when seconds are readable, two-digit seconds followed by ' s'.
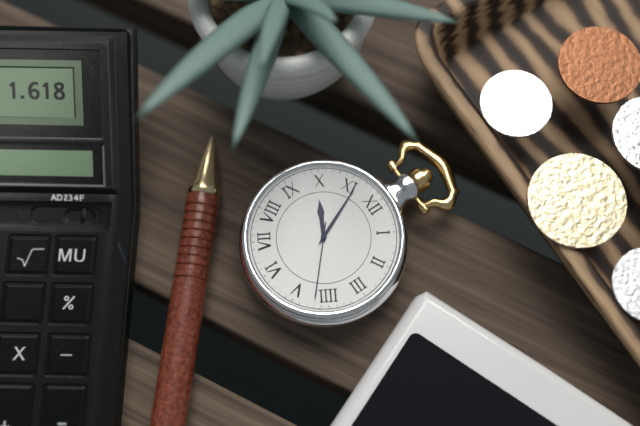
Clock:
9 h 56 min 22 s
